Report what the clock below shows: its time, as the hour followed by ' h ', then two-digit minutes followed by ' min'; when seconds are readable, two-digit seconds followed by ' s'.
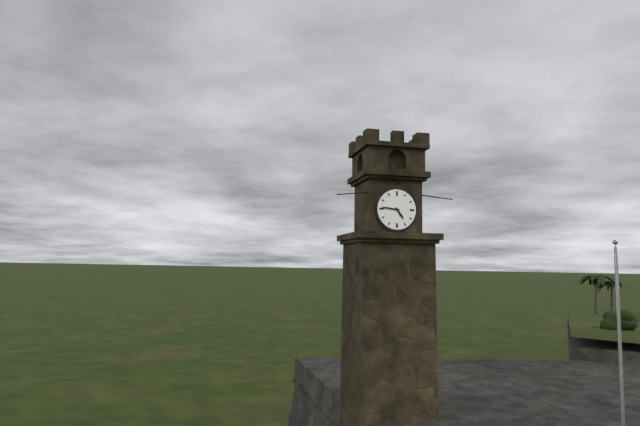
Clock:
4 h 46 min
